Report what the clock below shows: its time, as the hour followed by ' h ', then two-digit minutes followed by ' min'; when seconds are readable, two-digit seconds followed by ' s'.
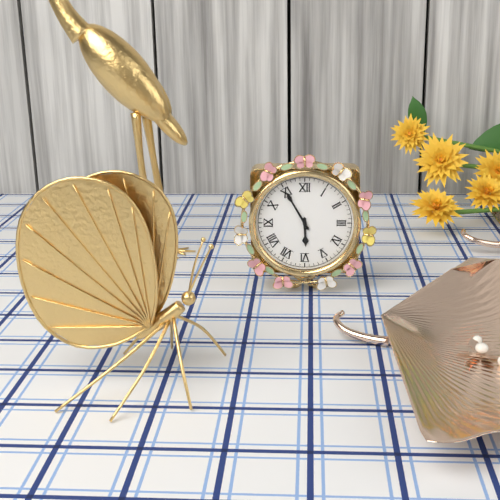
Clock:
5 h 55 min
